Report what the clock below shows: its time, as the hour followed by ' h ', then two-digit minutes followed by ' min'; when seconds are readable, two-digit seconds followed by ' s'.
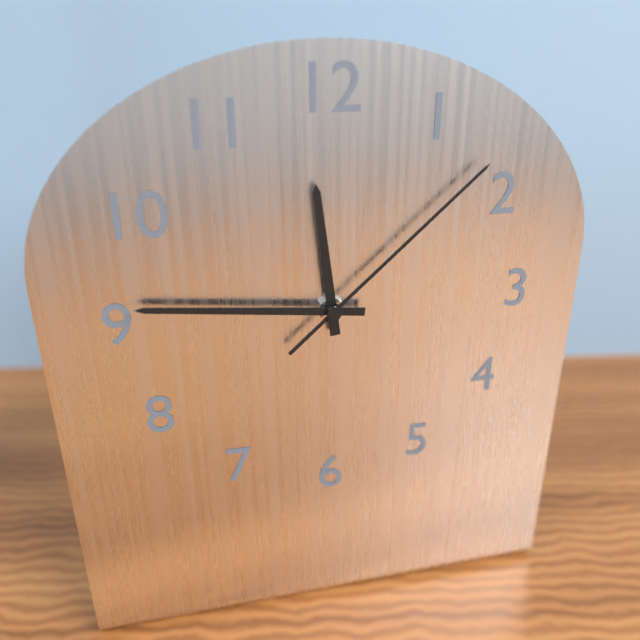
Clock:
11 h 46 min 08 s
